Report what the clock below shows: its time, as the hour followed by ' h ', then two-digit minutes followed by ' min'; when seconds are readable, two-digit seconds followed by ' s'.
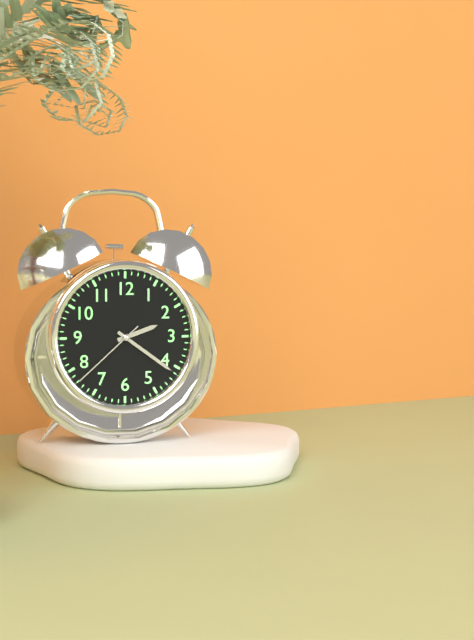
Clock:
2 h 21 min 38 s
